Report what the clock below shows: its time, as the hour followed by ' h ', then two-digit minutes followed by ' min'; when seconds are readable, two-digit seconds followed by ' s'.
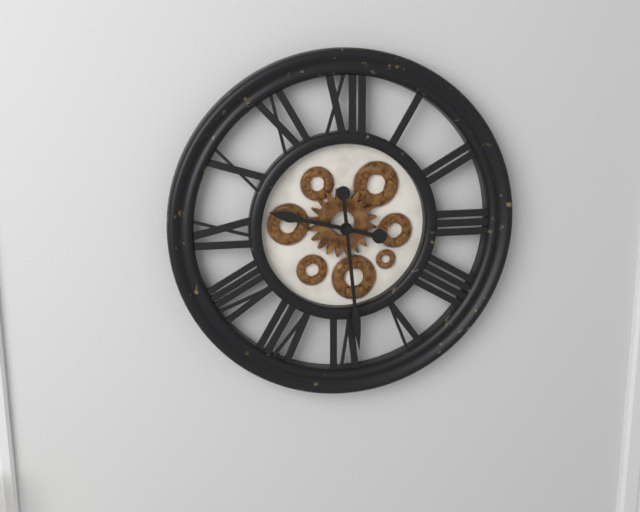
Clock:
9 h 29 min
